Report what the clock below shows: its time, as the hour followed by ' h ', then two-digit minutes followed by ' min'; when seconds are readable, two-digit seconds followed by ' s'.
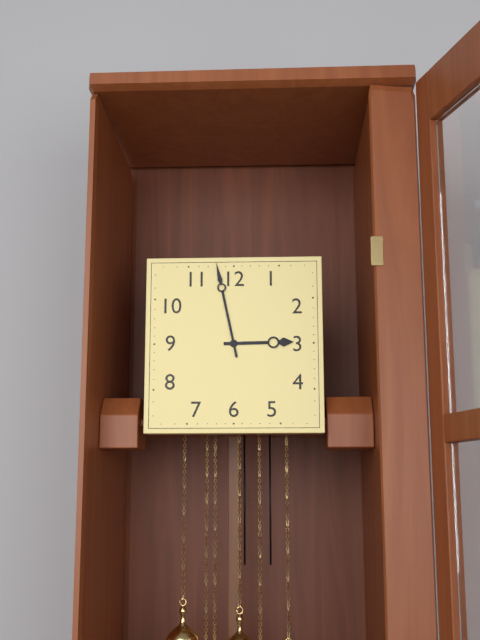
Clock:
2 h 58 min
